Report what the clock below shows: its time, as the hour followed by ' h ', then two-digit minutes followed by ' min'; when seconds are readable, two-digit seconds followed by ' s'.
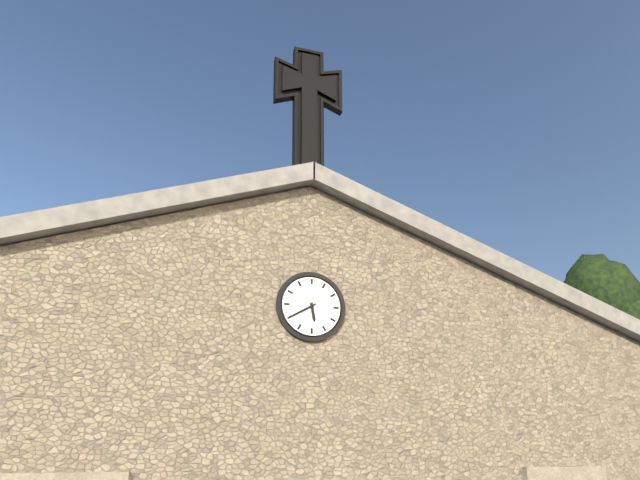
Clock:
5 h 40 min
